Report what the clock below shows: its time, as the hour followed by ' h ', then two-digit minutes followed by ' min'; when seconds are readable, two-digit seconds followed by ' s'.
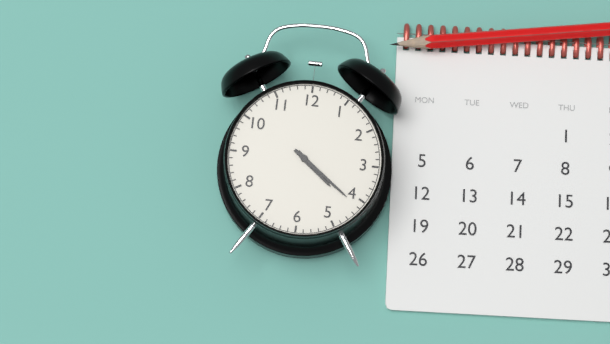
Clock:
4 h 21 min
